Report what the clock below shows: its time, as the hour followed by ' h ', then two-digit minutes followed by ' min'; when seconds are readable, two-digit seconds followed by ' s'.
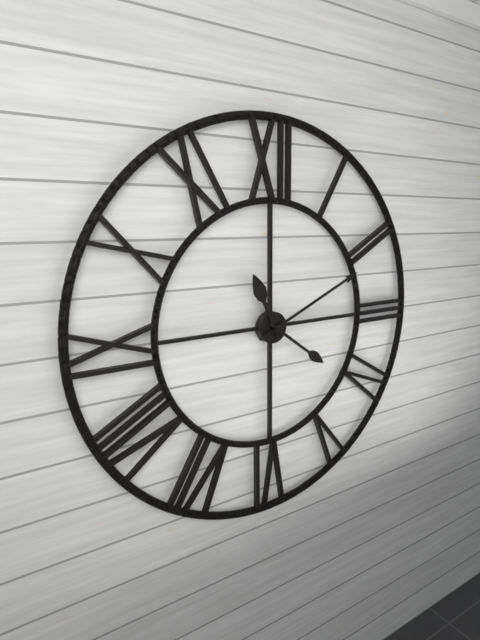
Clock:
11 h 11 min 21 s
